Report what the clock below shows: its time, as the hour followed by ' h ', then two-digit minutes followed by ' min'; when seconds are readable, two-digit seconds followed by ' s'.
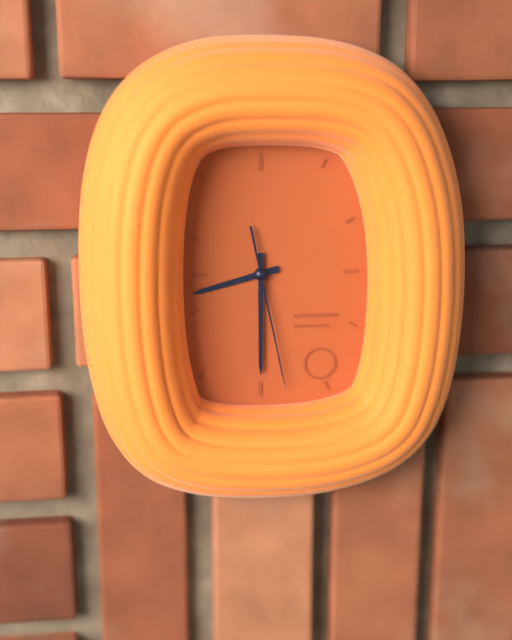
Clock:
8 h 30 min 28 s
